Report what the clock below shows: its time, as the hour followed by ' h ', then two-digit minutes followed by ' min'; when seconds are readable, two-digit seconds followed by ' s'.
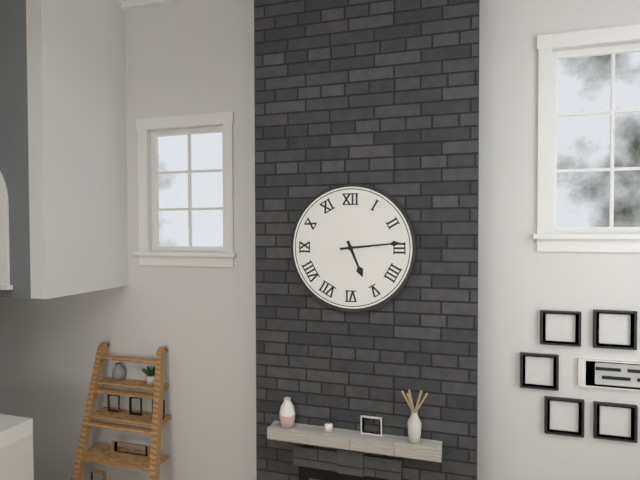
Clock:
5 h 14 min
